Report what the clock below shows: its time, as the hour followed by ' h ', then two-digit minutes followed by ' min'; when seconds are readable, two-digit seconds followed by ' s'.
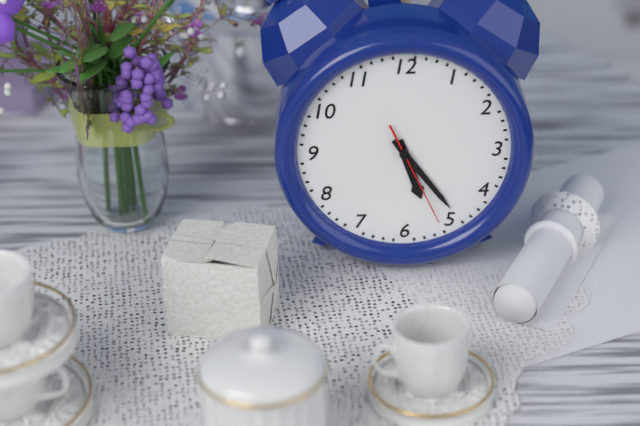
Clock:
5 h 24 min 26 s
